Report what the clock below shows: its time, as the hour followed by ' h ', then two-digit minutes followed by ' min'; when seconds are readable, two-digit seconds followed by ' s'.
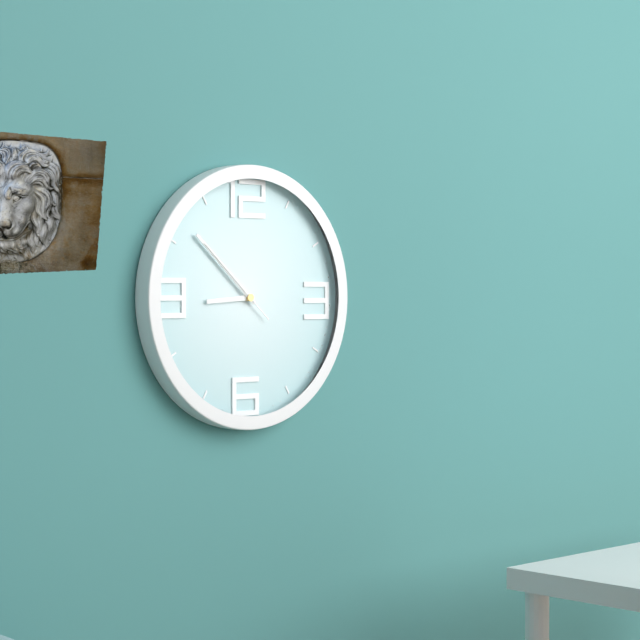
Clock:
8 h 52 min 52 s
